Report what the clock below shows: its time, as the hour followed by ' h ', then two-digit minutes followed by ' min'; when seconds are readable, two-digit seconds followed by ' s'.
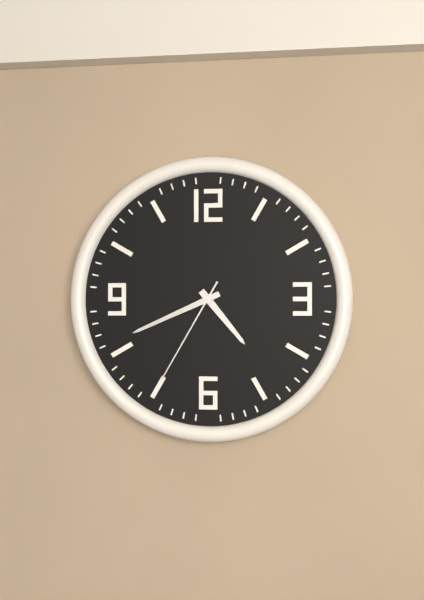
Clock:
4 h 41 min 35 s
